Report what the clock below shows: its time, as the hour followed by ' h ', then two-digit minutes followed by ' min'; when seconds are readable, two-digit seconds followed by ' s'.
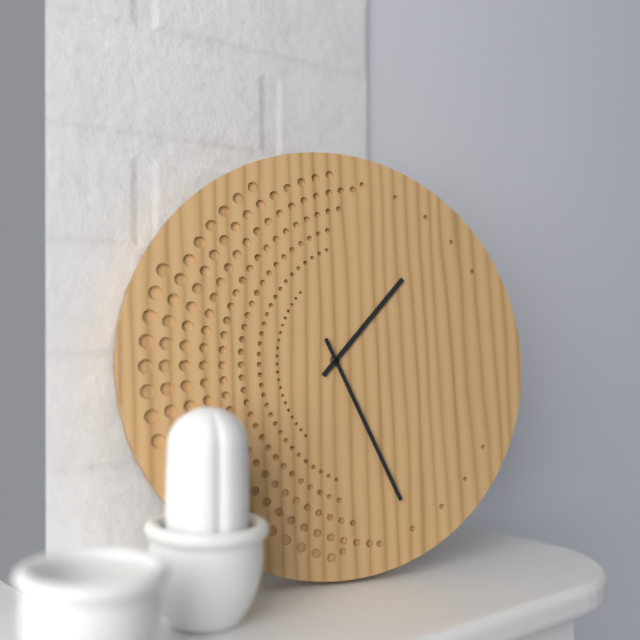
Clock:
1 h 26 min
